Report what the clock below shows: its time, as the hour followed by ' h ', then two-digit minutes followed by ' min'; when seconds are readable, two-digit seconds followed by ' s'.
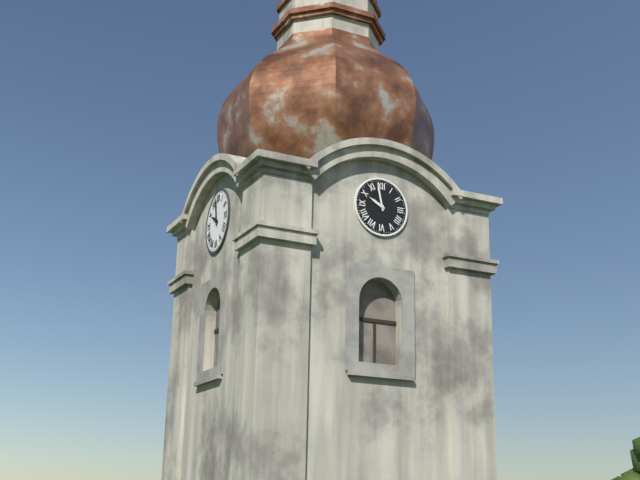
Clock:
9 h 58 min
